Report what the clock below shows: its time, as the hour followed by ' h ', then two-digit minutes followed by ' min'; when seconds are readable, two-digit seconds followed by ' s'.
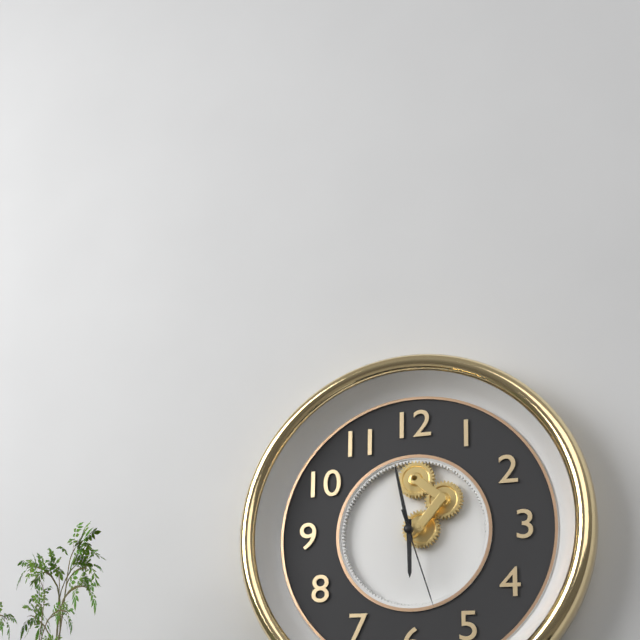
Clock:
5 h 58 min 27 s
